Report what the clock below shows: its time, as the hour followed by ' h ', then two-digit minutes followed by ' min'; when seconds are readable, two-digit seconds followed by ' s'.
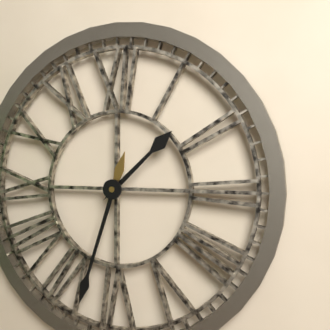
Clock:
1 h 33 min
